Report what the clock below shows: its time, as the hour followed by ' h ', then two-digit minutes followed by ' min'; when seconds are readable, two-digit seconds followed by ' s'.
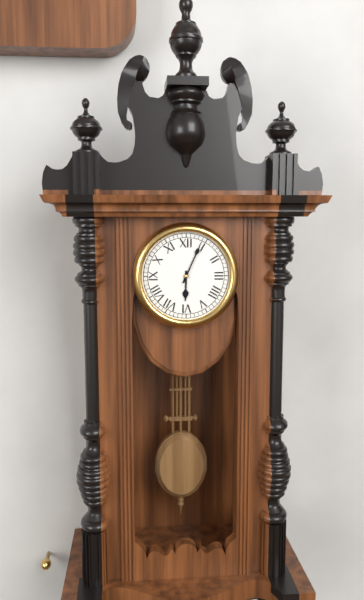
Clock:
6 h 04 min
